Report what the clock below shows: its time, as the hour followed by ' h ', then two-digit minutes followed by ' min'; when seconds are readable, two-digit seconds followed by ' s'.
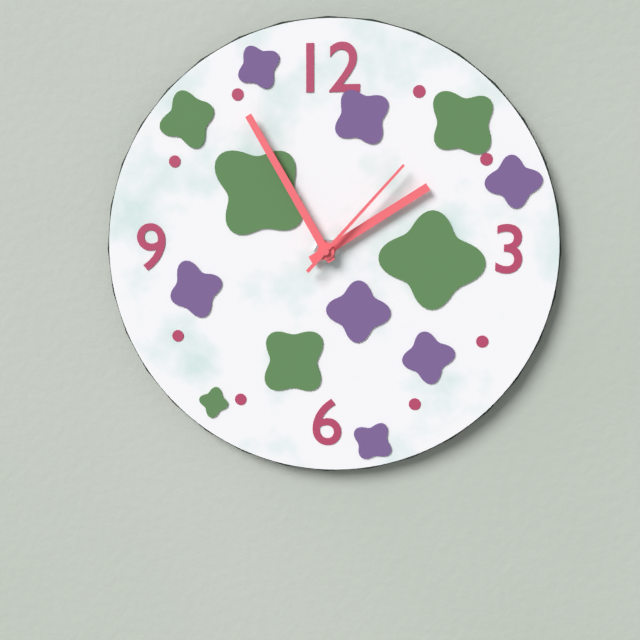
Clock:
1 h 55 min 07 s
